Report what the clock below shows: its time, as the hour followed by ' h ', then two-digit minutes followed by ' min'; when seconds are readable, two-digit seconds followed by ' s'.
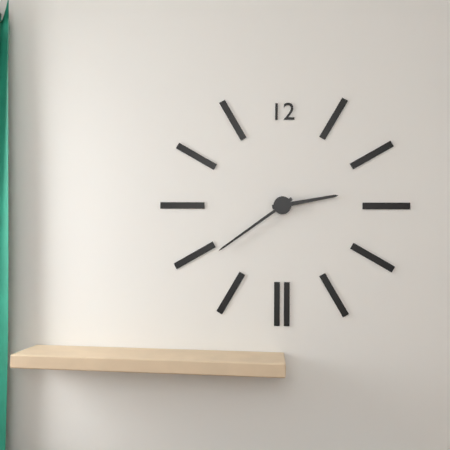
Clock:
2 h 39 min
